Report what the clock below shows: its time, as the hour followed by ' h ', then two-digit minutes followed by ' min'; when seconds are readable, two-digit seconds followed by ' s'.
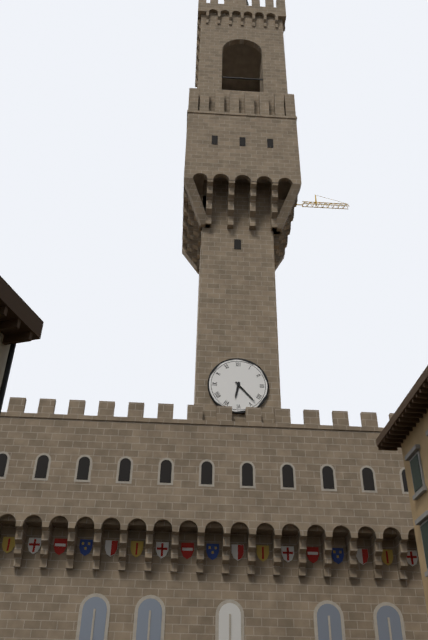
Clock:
6 h 23 min
